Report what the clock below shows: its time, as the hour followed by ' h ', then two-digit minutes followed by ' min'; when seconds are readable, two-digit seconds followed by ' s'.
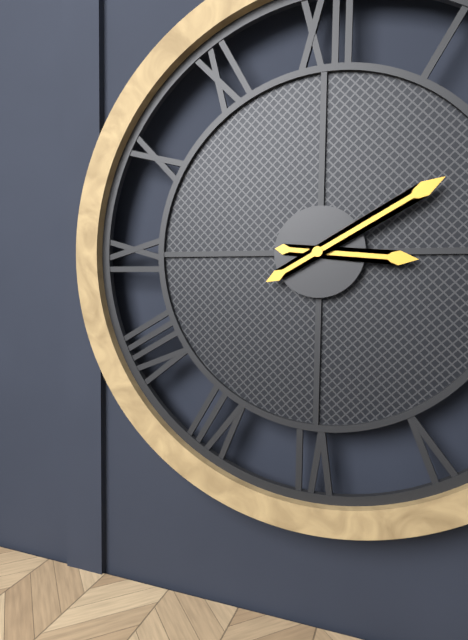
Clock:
3 h 10 min
